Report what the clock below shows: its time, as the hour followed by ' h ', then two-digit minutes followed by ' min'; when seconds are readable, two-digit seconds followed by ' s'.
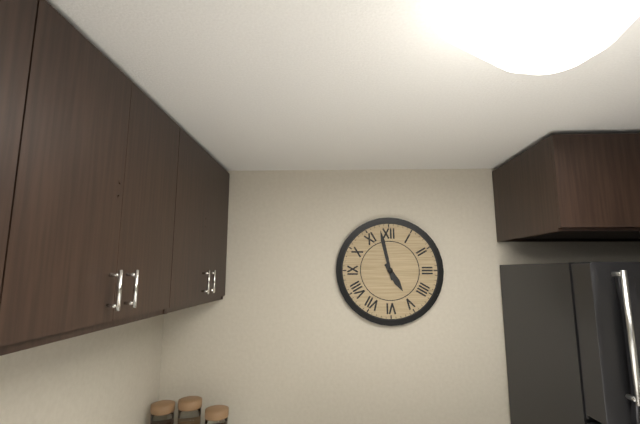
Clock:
4 h 58 min
